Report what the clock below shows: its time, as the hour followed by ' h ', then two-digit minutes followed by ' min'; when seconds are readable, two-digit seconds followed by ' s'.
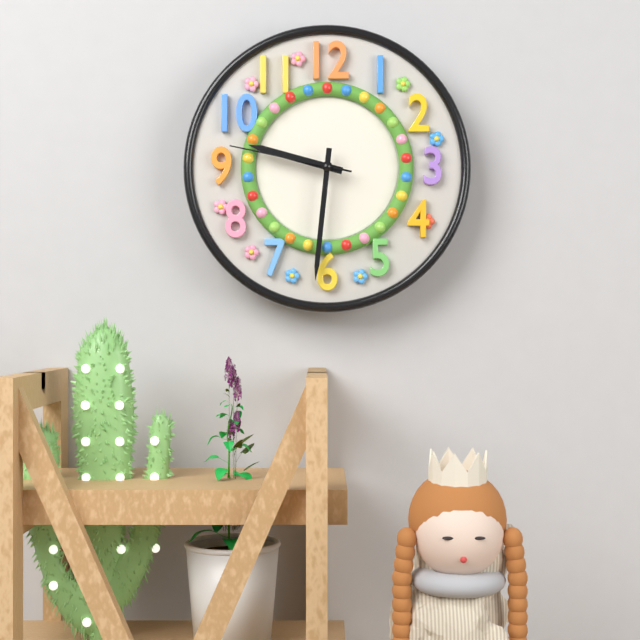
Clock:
9 h 31 min 47 s
